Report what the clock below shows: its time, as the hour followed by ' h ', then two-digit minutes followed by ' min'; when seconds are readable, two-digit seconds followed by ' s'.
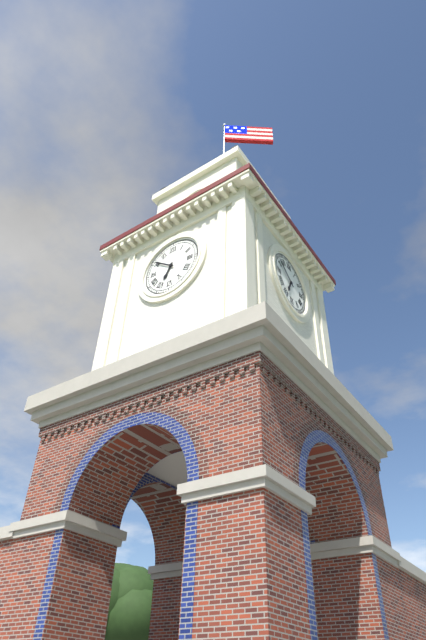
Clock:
6 h 51 min
